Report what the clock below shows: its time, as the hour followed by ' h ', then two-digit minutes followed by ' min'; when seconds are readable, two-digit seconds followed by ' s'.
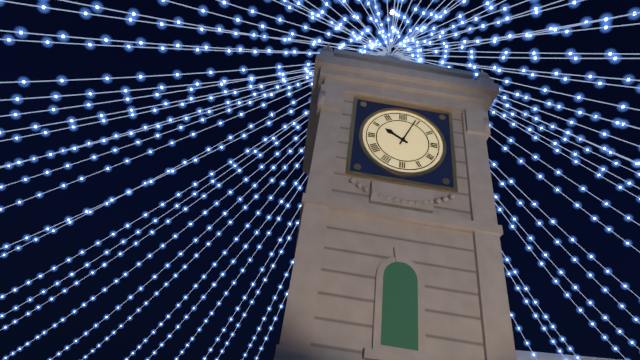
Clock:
10 h 04 min
